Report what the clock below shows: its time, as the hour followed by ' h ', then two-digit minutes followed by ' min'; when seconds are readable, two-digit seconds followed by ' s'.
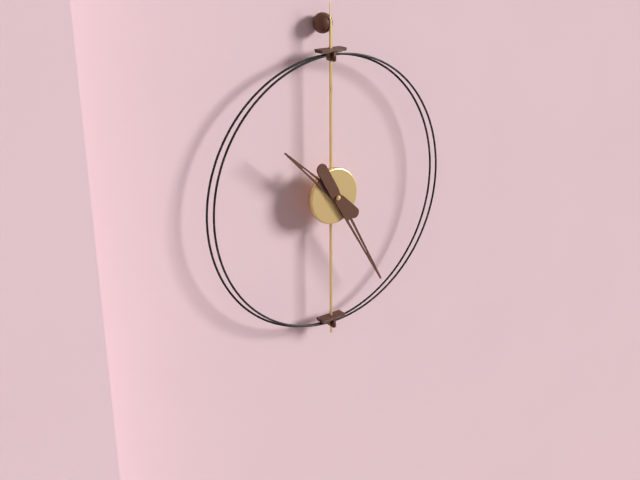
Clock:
10 h 25 min
